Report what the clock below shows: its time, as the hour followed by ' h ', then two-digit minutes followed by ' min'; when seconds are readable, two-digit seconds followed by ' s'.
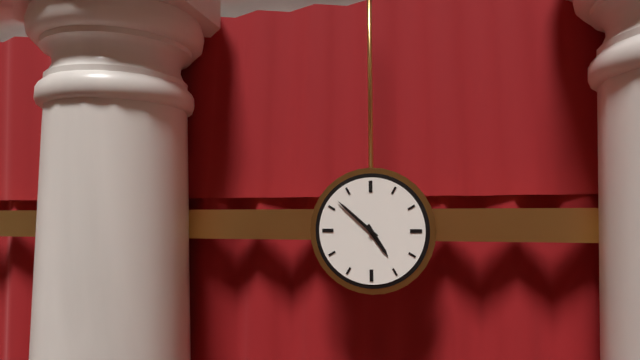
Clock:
4 h 52 min
